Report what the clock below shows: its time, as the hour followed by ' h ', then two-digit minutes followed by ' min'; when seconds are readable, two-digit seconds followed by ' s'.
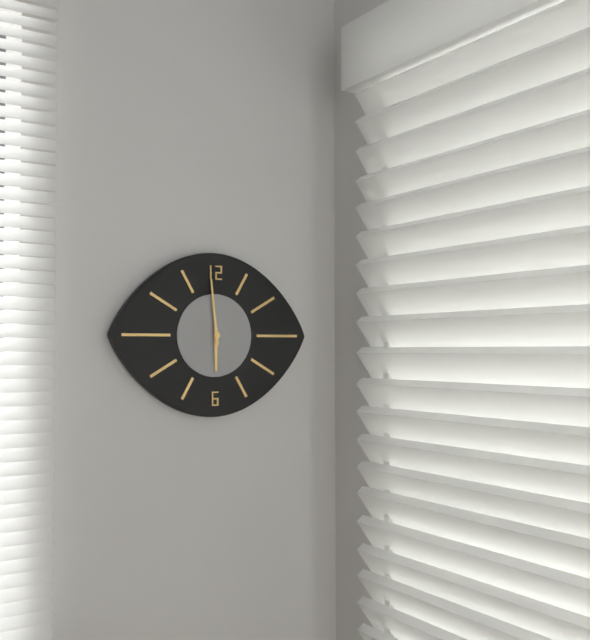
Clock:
5 h 59 min
